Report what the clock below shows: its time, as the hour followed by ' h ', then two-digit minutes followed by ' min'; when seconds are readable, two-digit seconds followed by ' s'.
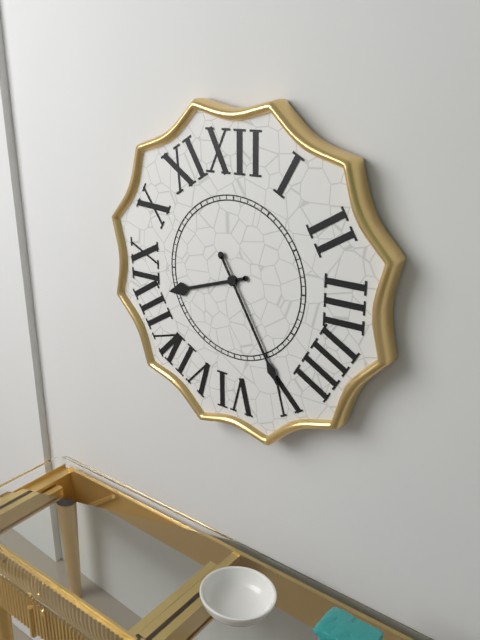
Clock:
8 h 25 min
